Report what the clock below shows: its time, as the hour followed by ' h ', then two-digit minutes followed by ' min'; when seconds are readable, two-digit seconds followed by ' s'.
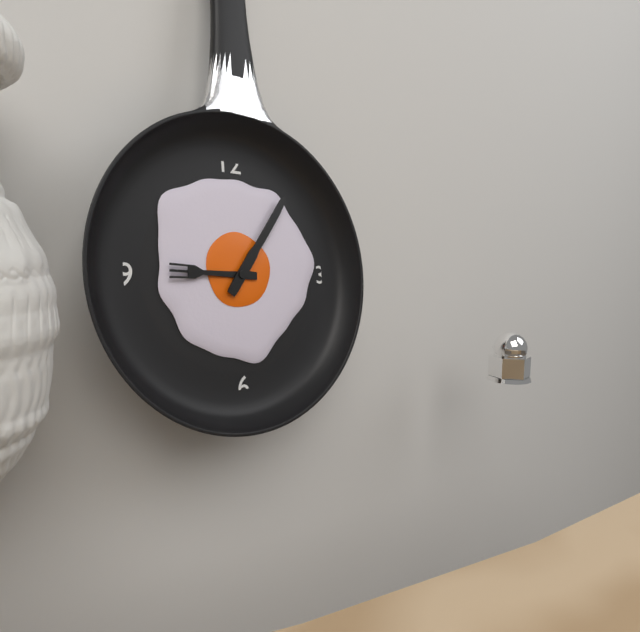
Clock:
9 h 06 min
